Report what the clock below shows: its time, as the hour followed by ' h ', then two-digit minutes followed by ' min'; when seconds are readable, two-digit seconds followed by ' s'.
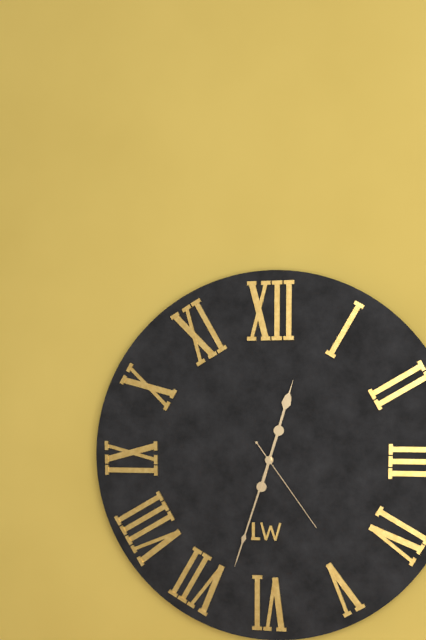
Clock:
12 h 33 min 24 s
